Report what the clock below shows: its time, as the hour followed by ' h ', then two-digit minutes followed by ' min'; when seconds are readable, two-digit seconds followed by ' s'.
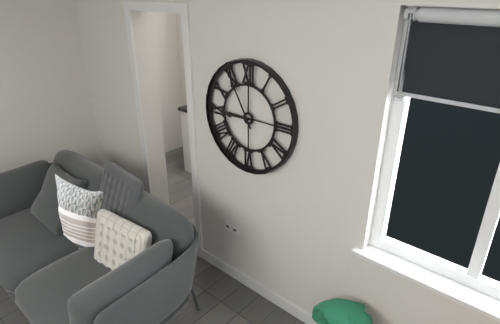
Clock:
8 h 55 min
